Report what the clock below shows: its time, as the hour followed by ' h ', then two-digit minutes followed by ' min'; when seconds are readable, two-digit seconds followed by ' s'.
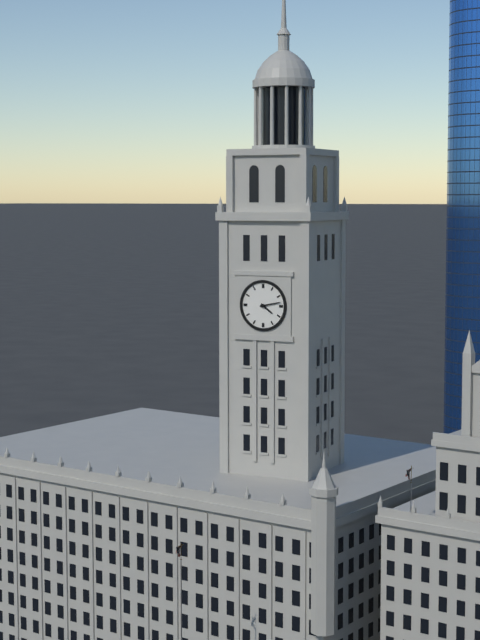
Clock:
4 h 13 min
